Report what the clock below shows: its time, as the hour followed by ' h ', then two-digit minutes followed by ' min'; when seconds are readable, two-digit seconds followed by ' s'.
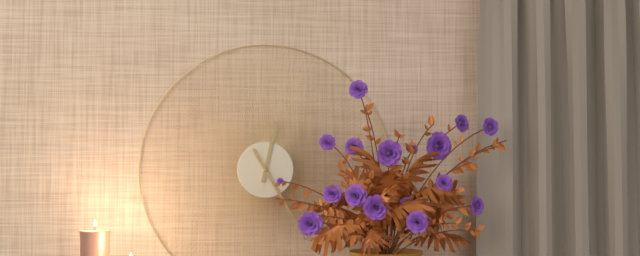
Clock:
12 h 25 min
